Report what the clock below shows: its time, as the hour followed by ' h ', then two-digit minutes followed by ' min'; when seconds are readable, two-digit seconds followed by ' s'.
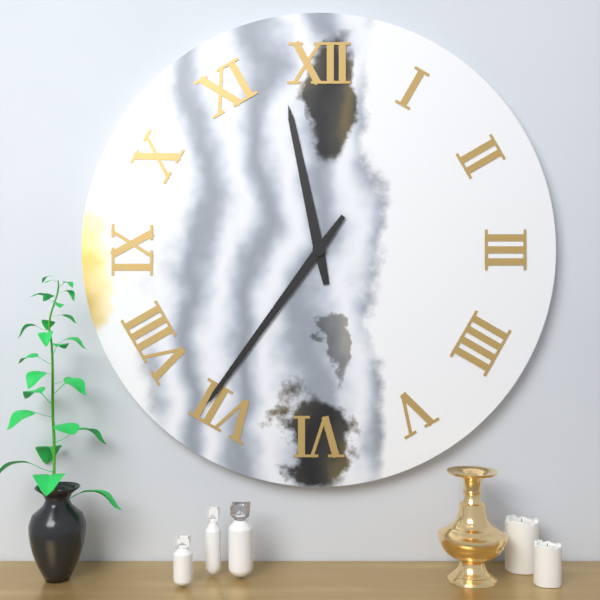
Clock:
11 h 36 min
